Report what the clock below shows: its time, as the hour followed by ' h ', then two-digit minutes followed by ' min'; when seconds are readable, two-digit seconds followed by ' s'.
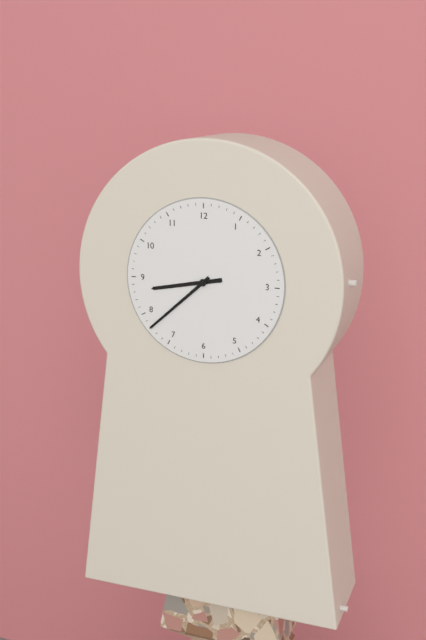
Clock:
8 h 38 min
